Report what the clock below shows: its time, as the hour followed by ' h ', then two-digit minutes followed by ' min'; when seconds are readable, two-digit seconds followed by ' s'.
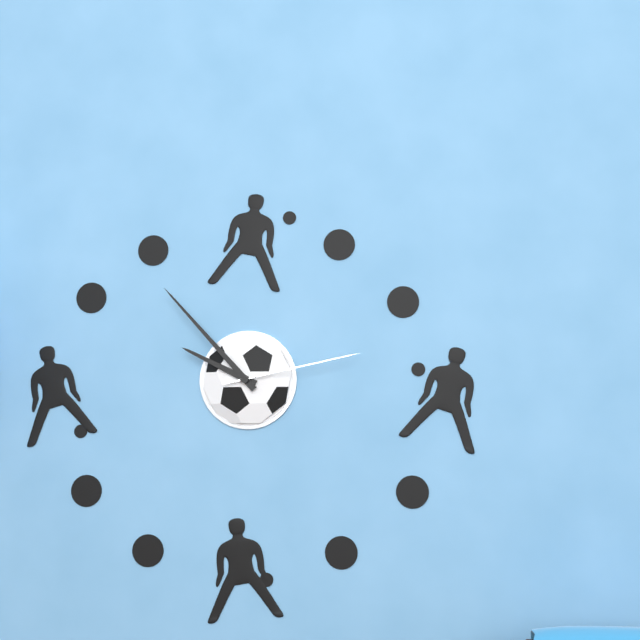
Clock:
9 h 53 min 13 s
